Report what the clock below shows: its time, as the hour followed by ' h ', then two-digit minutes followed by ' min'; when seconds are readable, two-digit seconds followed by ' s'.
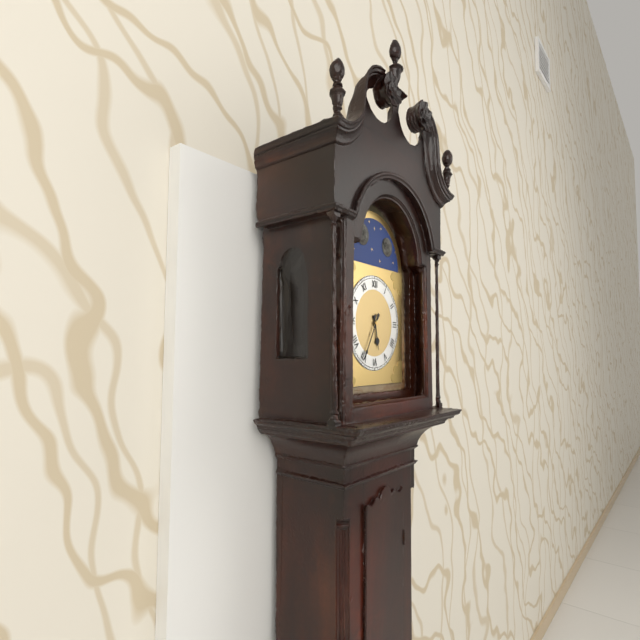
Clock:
5 h 35 min
